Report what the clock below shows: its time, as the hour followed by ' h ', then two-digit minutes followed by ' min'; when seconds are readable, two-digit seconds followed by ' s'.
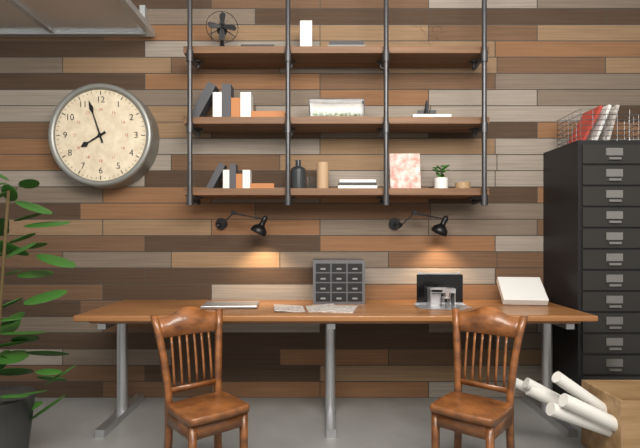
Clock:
7 h 57 min
